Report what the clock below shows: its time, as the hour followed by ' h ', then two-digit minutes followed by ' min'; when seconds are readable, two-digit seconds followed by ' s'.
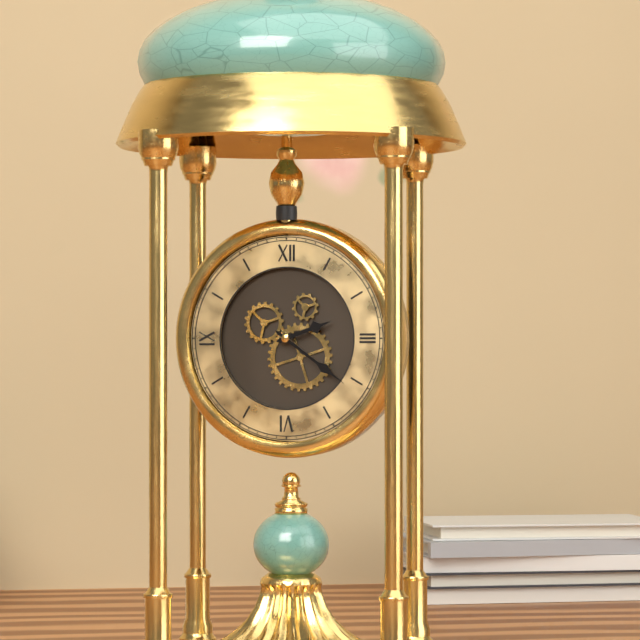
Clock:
2 h 21 min
